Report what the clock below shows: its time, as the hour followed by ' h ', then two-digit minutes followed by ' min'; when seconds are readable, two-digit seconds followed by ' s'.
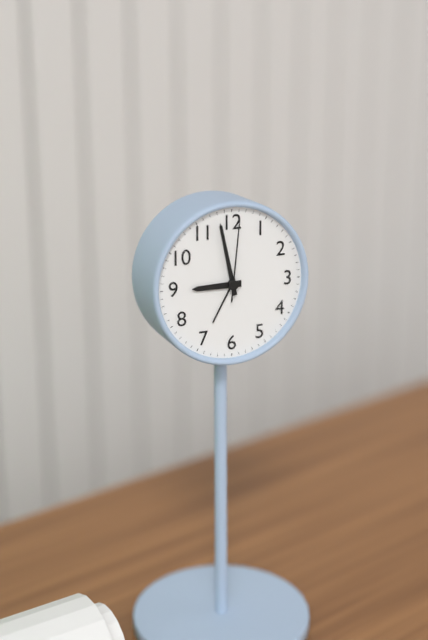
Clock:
8 h 58 min 01 s
